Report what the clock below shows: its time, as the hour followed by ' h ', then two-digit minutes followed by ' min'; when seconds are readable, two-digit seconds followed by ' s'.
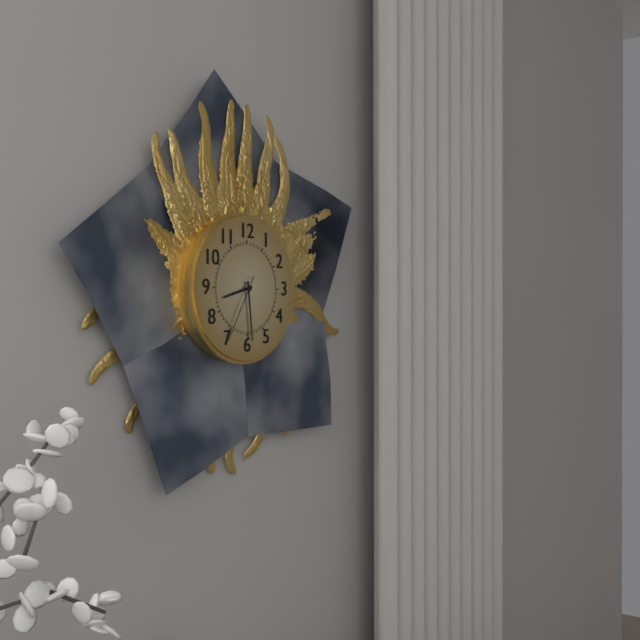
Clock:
8 h 29 min 35 s
